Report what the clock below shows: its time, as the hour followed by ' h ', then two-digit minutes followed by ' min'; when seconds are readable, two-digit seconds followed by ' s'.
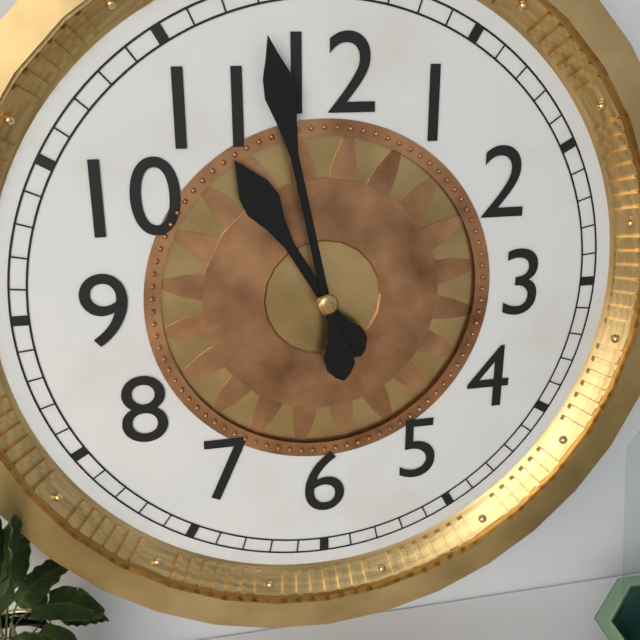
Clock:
10 h 58 min
